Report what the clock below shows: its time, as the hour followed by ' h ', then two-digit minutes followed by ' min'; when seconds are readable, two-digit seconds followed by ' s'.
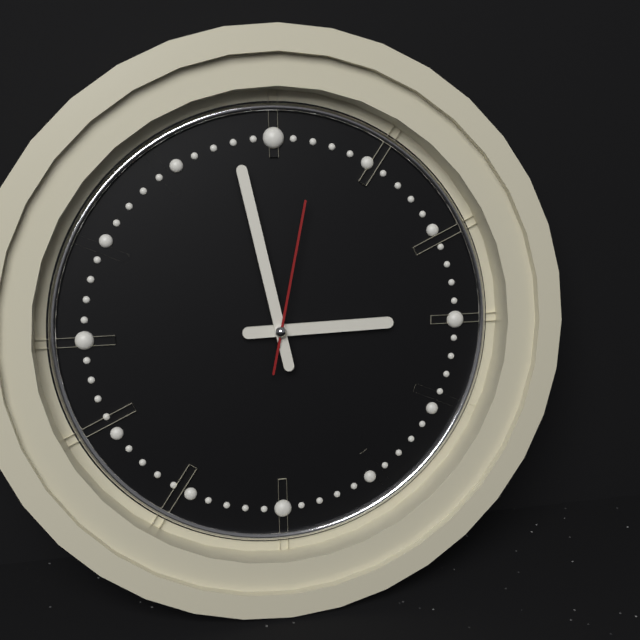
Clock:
2 h 58 min 02 s
